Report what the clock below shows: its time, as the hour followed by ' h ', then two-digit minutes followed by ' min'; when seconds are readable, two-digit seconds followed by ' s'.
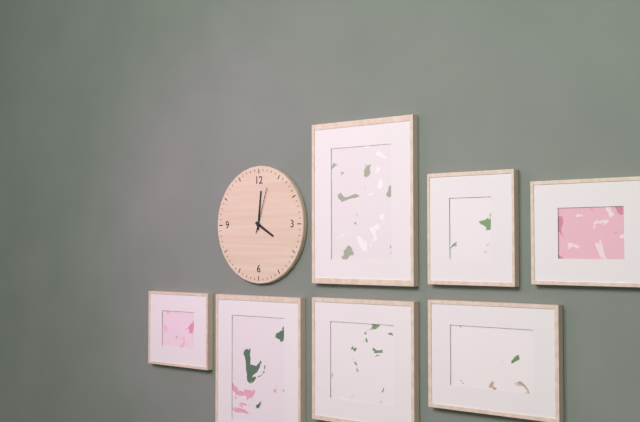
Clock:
4 h 01 min
